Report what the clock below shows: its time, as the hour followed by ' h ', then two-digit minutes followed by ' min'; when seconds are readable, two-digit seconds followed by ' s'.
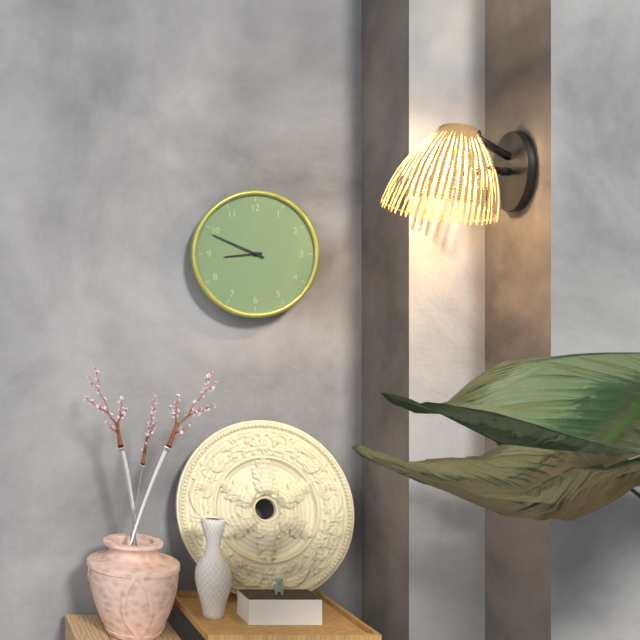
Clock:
8 h 49 min
